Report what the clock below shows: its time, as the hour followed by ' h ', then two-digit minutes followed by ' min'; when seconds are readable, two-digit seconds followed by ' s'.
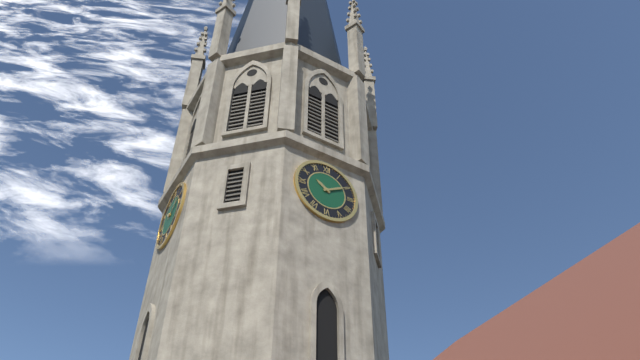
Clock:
10 h 10 min
